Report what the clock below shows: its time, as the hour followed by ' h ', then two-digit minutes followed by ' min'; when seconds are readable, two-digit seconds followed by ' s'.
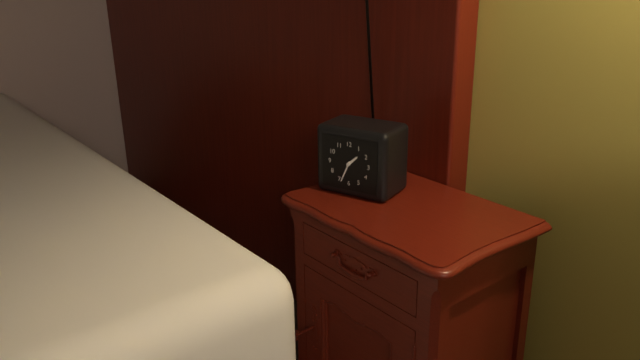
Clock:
1 h 34 min
